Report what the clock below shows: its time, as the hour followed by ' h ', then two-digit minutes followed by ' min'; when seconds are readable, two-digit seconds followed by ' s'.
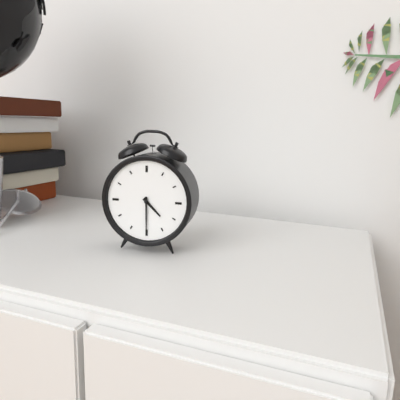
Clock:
4 h 30 min
